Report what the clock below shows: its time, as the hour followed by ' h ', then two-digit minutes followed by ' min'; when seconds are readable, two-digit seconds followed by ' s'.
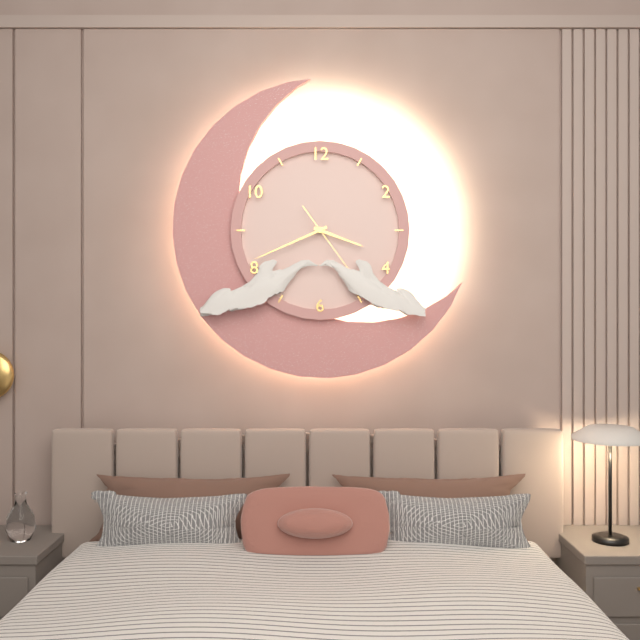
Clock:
3 h 41 min
